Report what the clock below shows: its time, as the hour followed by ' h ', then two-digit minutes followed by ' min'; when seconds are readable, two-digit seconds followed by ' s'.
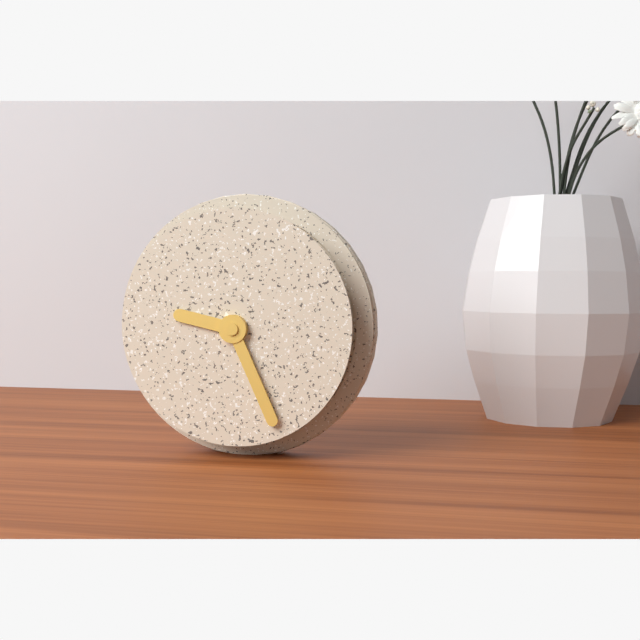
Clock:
9 h 26 min
